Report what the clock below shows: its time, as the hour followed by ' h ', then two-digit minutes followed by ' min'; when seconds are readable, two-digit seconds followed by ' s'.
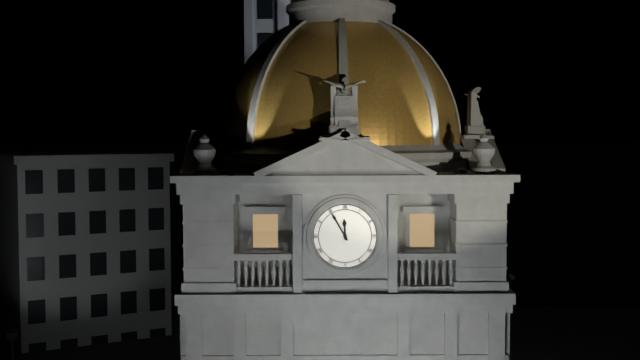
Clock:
11 h 55 min
